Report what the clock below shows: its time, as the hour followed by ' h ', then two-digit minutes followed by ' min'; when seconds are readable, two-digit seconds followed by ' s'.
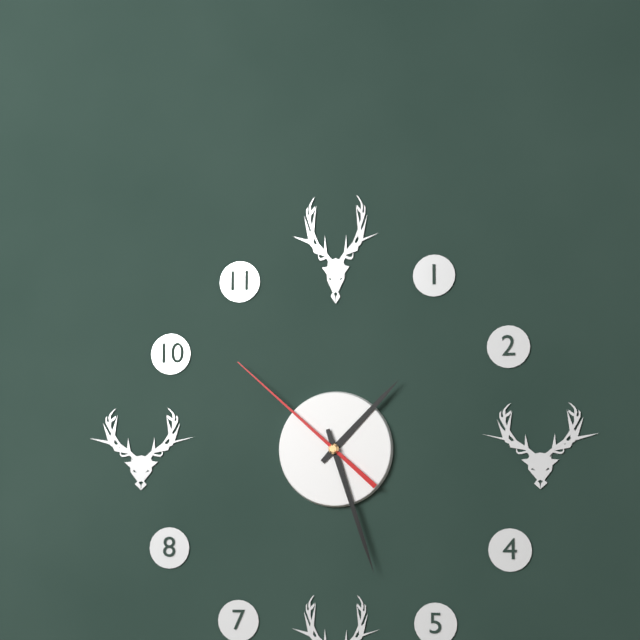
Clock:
1 h 27 min 52 s
